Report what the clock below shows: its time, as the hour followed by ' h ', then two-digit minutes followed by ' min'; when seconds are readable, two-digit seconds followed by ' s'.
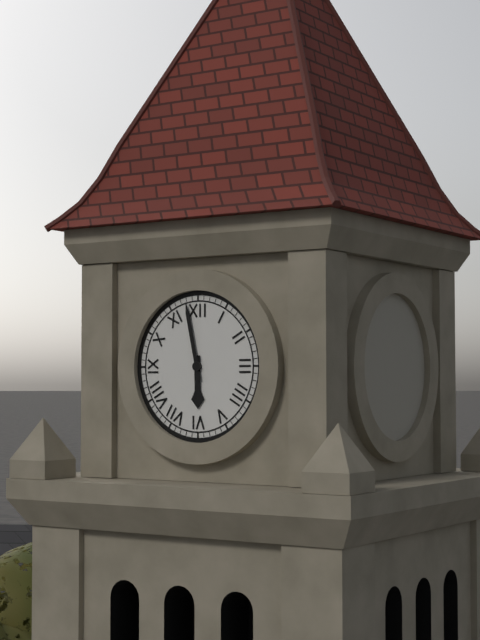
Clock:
5 h 58 min
